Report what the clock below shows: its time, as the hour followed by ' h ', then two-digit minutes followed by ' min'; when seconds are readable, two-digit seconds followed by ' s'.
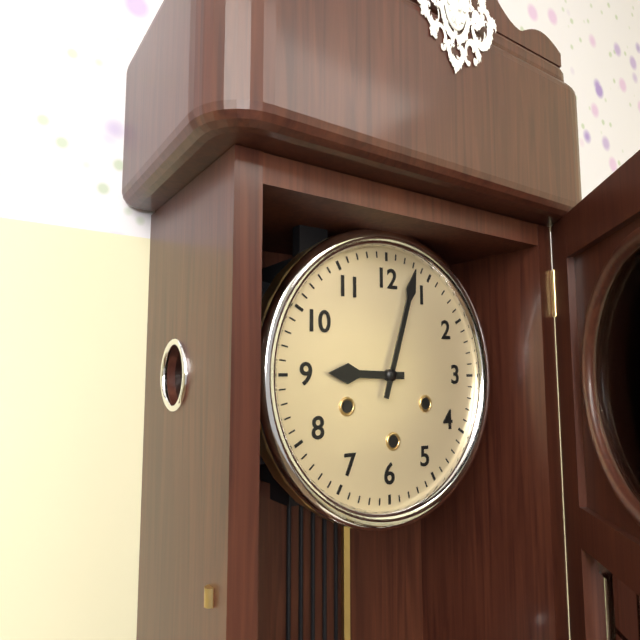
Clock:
9 h 03 min
